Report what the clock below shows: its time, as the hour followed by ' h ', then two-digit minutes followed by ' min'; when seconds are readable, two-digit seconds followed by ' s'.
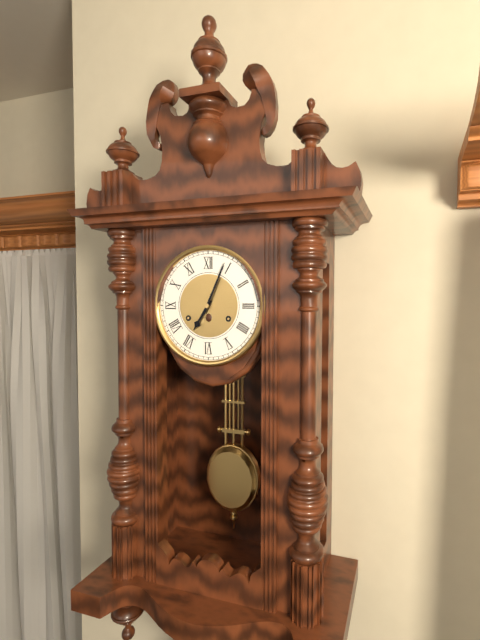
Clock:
7 h 04 min
